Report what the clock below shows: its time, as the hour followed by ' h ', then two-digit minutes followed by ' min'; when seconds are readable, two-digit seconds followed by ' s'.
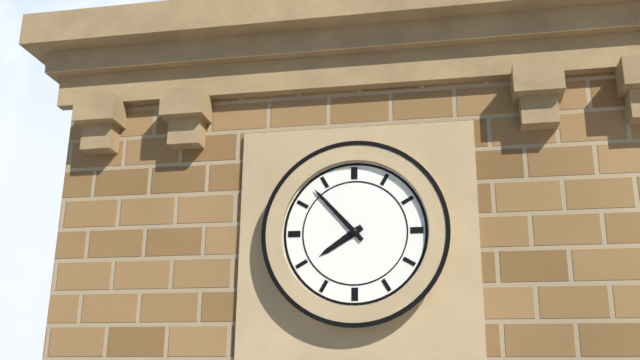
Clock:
7 h 53 min
